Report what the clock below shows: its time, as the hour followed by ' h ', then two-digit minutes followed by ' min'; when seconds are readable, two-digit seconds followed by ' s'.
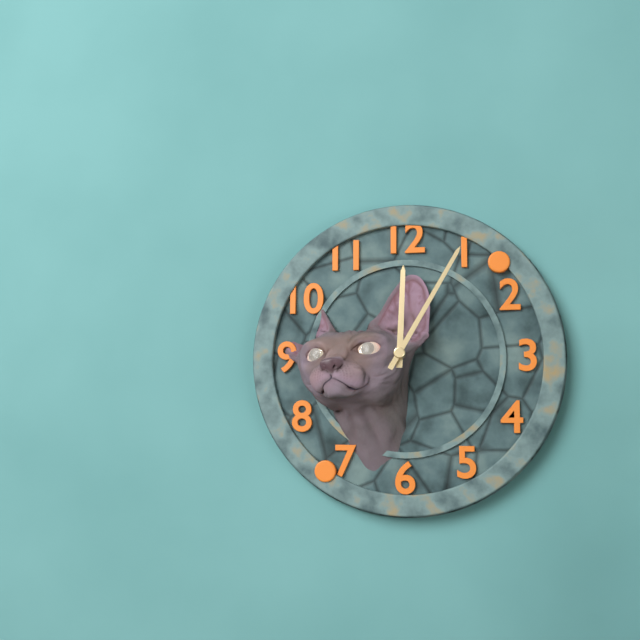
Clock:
12 h 05 min
